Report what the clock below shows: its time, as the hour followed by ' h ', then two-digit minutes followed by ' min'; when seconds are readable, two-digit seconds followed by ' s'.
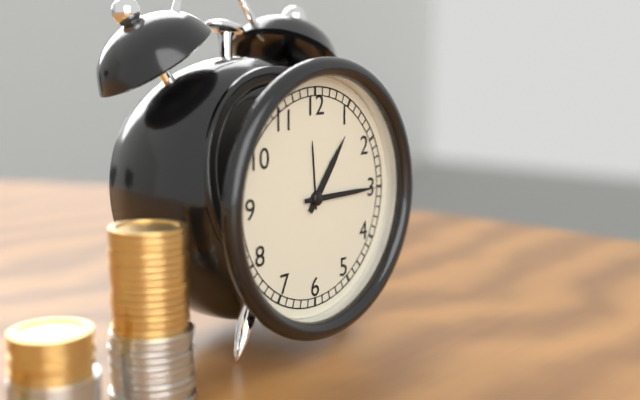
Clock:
1 h 15 min
